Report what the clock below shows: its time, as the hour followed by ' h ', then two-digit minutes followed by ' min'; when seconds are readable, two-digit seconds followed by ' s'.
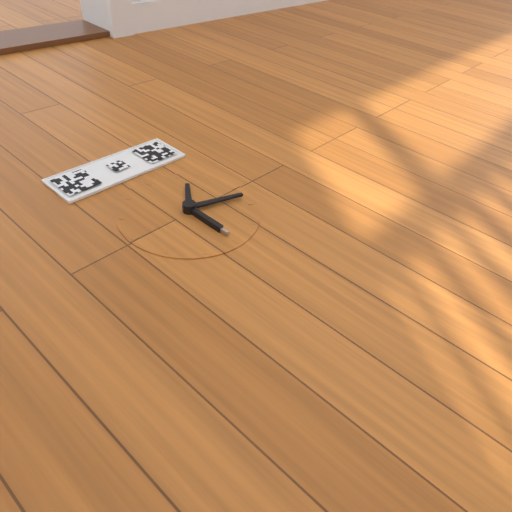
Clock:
1 h 18 min
